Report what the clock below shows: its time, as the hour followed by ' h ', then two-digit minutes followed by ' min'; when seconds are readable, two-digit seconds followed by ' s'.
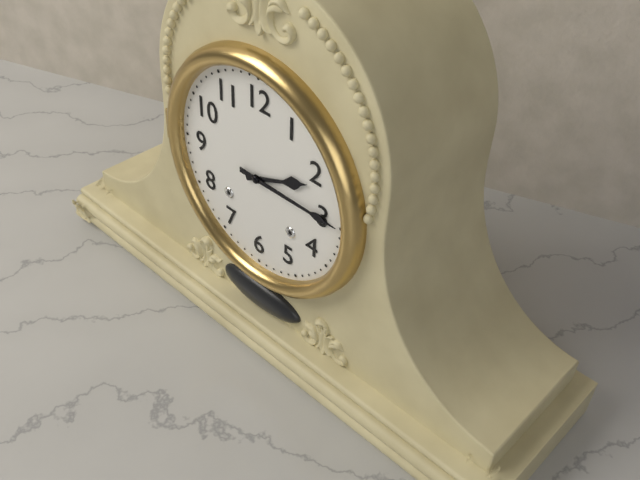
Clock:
2 h 15 min
